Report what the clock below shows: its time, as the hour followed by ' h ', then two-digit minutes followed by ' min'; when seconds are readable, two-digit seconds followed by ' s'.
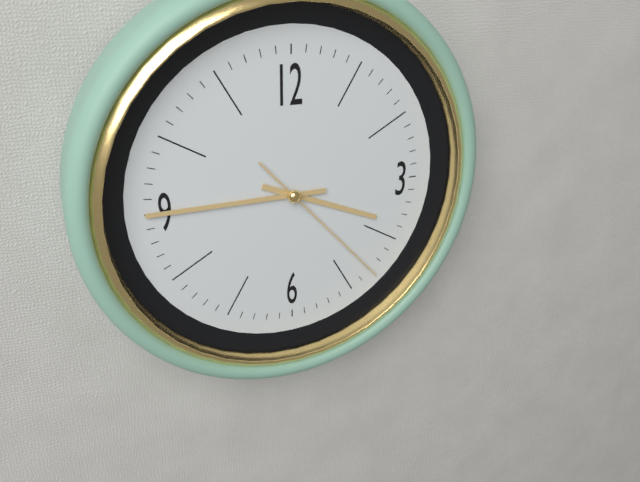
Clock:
3 h 45 min 23 s
